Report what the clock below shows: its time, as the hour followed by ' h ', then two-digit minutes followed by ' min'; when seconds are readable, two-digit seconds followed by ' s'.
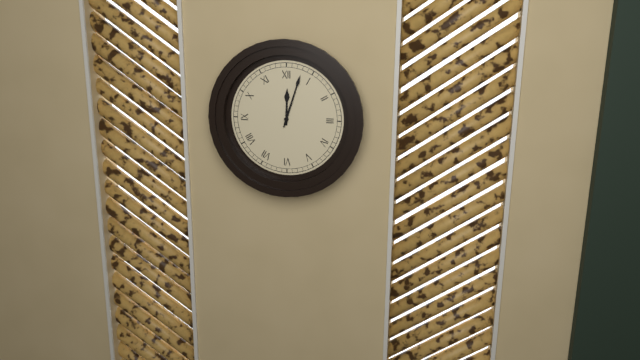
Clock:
12 h 03 min
